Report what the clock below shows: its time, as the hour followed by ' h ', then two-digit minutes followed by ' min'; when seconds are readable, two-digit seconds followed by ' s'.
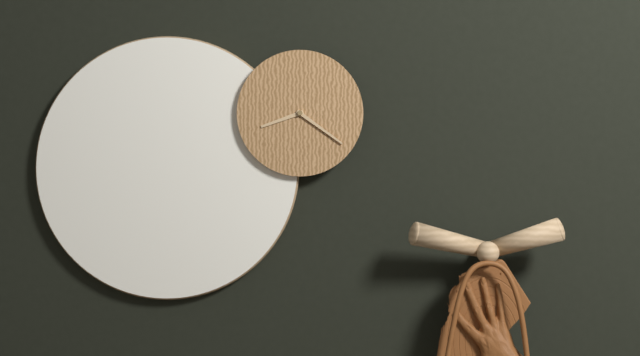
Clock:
8 h 21 min
